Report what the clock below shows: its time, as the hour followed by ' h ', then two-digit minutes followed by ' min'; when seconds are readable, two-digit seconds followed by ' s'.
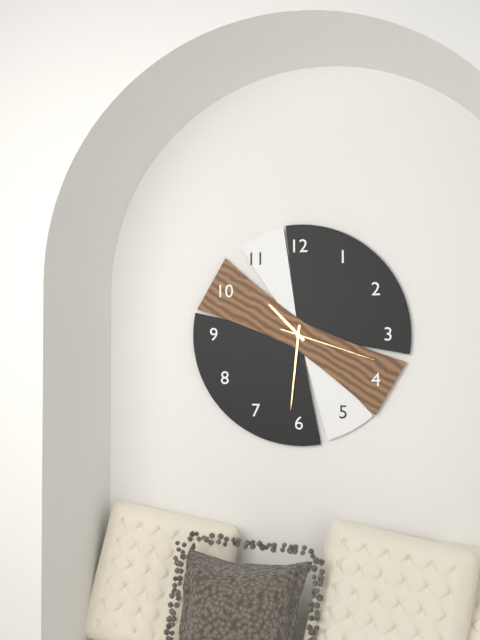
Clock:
10 h 31 min 18 s
